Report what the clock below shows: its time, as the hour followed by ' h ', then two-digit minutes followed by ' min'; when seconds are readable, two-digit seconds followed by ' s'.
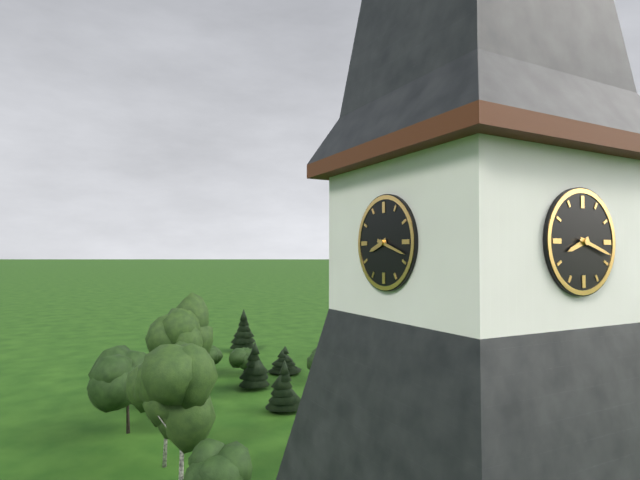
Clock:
8 h 18 min
